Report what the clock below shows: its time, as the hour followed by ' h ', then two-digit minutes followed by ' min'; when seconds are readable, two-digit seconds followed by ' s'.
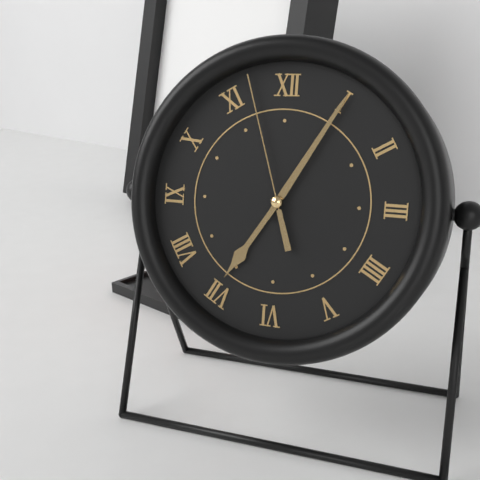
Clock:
7 h 05 min 57 s
